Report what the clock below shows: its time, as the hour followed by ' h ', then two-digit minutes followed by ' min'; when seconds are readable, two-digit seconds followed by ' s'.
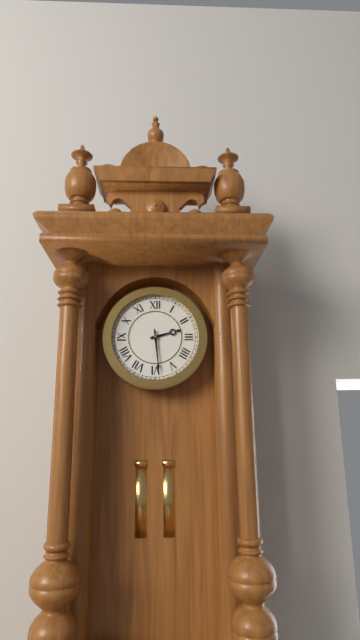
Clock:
2 h 29 min
